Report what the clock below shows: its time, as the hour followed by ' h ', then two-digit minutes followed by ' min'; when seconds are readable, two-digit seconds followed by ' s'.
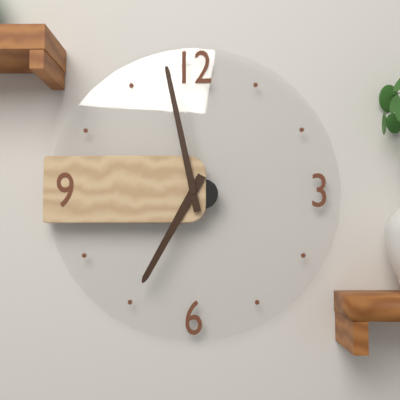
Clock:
6 h 58 min
